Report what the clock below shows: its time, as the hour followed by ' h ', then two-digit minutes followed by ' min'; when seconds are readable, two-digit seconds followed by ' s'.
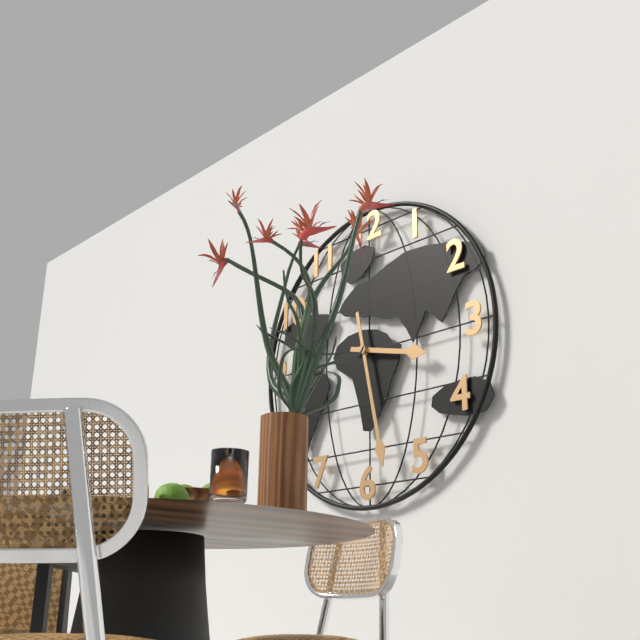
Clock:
3 h 28 min
